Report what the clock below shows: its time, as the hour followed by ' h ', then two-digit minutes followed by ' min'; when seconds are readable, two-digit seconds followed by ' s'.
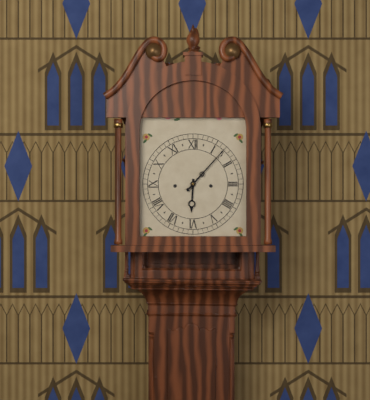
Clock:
6 h 07 min
